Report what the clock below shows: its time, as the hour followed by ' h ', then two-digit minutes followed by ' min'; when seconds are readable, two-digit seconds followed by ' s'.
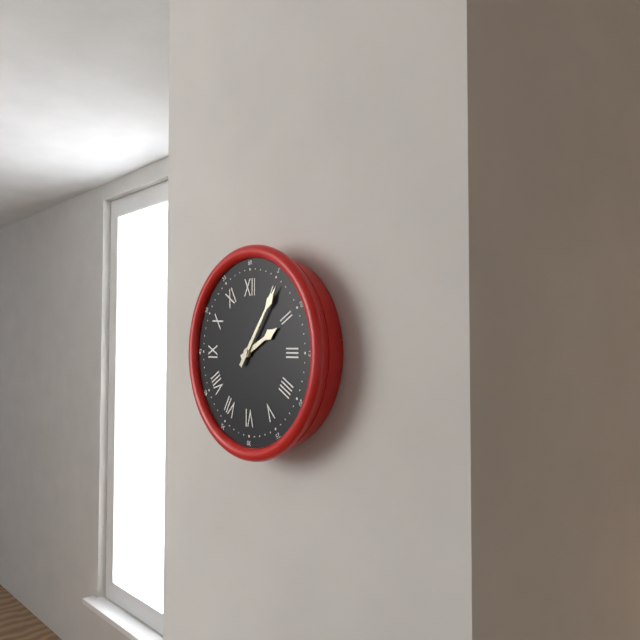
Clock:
2 h 06 min
